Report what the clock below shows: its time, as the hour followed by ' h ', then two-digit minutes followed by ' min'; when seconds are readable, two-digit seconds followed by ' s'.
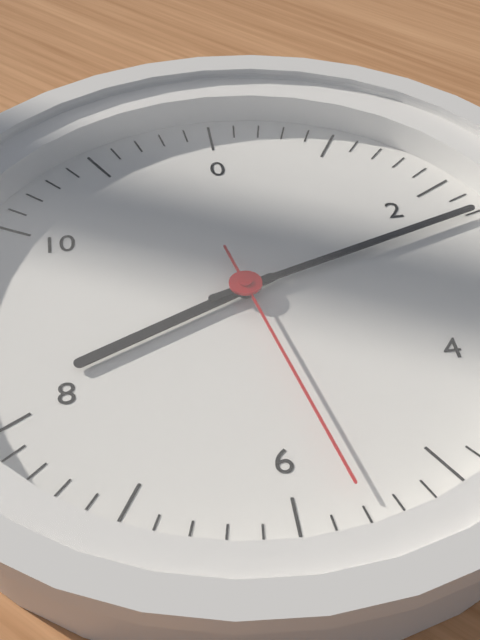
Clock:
8 h 12 min 28 s
